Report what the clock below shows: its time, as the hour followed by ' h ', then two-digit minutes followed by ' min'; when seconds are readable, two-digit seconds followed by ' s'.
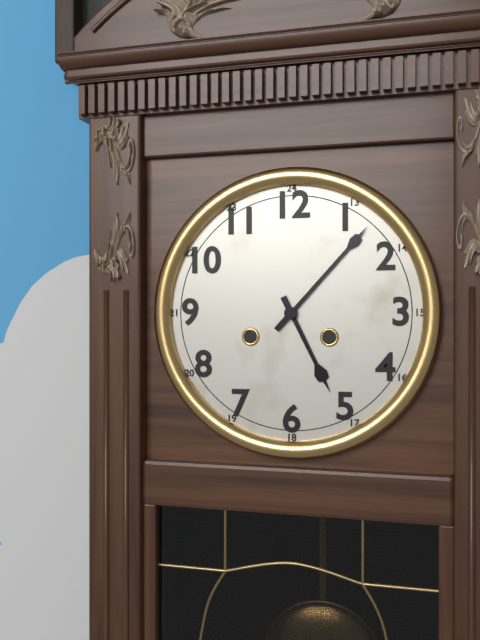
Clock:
5 h 07 min
